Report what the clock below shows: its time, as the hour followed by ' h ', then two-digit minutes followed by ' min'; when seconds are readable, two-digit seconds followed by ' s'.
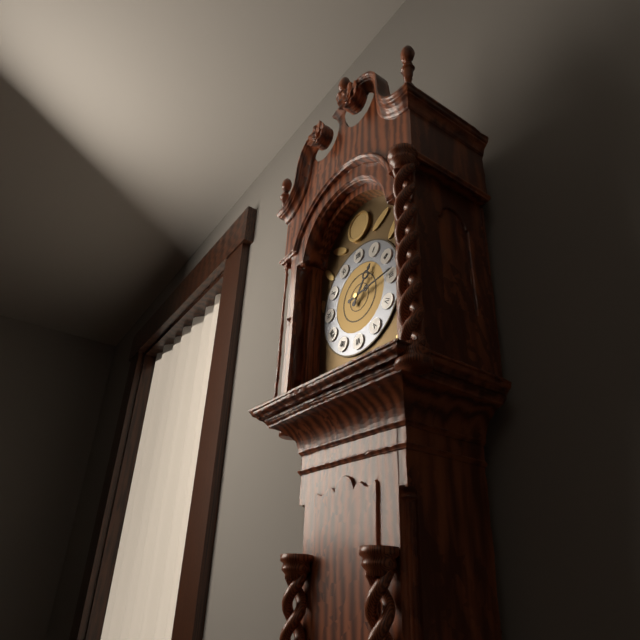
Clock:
1 h 14 min
